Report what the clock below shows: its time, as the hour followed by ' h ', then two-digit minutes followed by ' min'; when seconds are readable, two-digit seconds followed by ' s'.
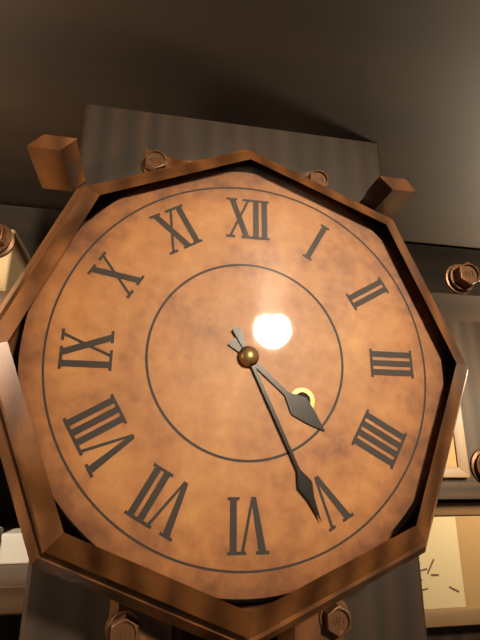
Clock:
4 h 26 min
